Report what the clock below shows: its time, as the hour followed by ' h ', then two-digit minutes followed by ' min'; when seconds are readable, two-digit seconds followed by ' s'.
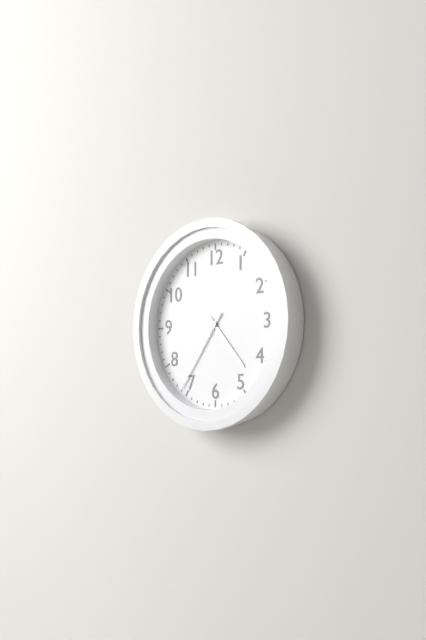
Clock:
4 h 36 min
